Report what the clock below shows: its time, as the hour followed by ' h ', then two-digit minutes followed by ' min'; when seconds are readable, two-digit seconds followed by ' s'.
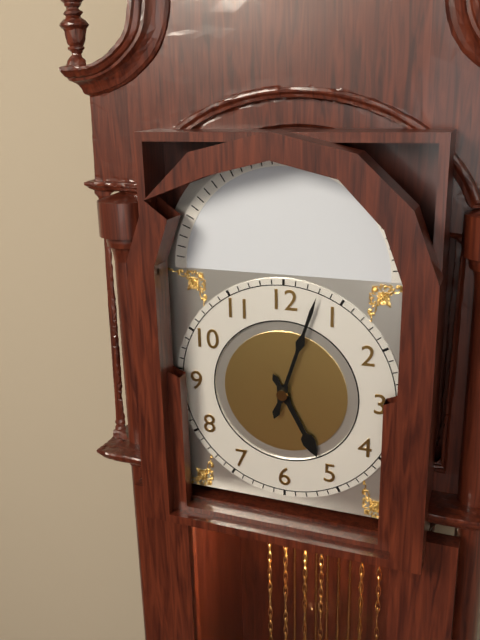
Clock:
5 h 03 min
